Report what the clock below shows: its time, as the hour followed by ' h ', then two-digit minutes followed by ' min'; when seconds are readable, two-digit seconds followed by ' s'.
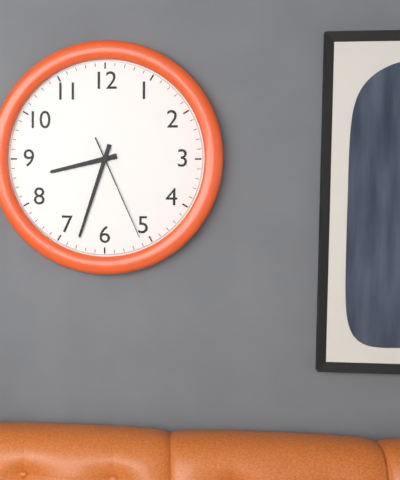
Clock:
8 h 33 min 26 s
